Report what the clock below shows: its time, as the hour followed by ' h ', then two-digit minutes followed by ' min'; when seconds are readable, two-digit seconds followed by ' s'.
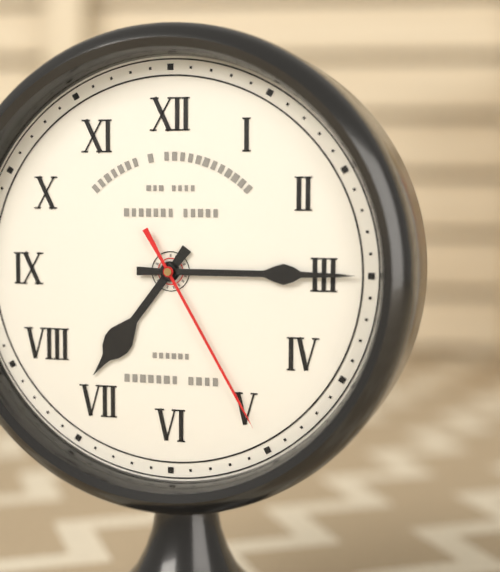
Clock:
7 h 15 min 25 s
